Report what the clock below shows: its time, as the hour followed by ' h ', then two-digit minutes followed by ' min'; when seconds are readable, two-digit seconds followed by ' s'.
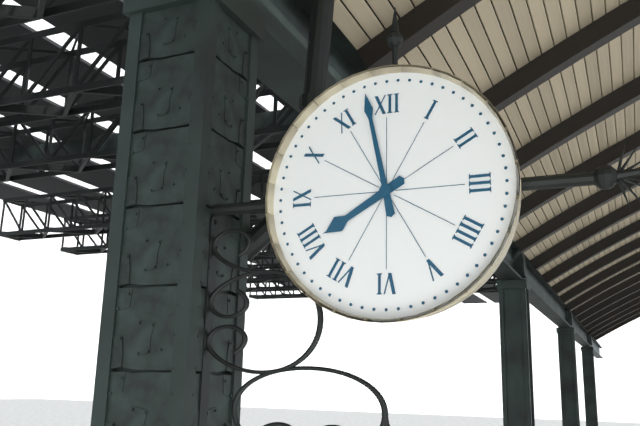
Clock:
7 h 58 min
